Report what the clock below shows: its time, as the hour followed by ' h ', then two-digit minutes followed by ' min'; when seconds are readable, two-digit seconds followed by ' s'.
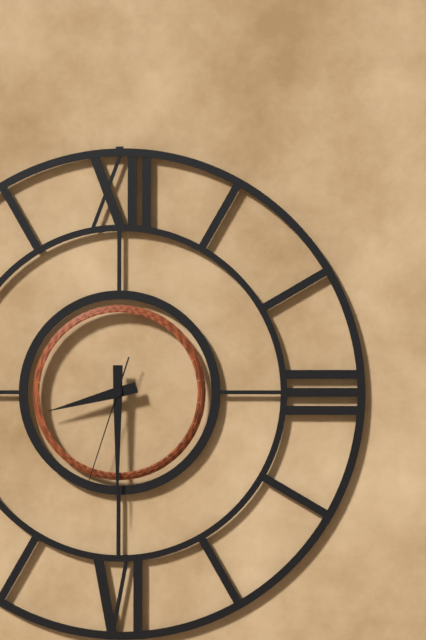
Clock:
8 h 30 min 33 s
